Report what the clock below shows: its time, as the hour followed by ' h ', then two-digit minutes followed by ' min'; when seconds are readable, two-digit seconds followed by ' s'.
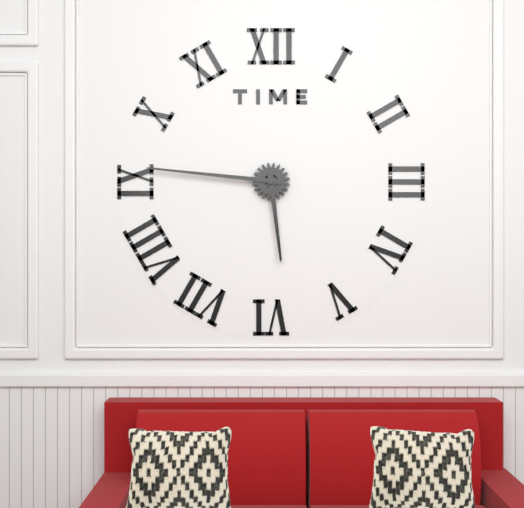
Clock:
5 h 46 min
